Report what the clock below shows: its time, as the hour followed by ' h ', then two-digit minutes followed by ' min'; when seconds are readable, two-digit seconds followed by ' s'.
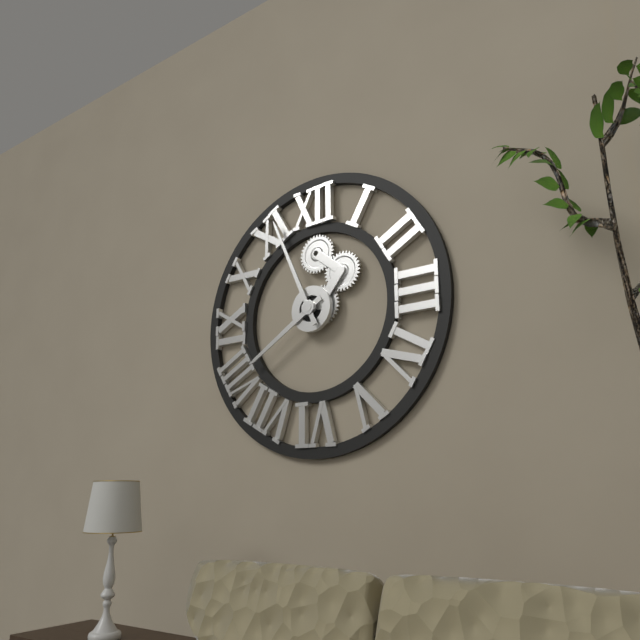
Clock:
7 h 56 min
